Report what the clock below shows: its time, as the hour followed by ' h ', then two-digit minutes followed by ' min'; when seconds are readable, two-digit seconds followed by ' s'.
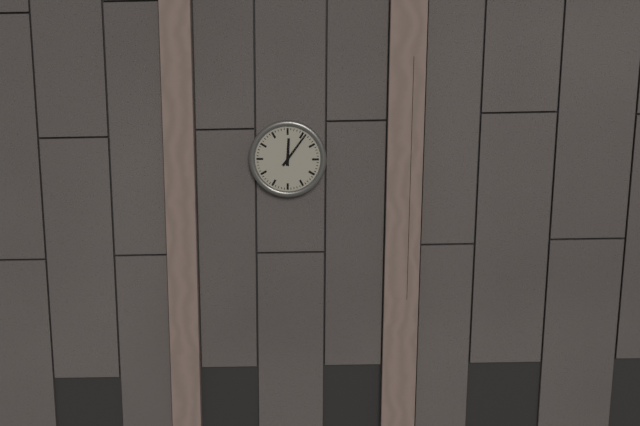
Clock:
12 h 06 min
